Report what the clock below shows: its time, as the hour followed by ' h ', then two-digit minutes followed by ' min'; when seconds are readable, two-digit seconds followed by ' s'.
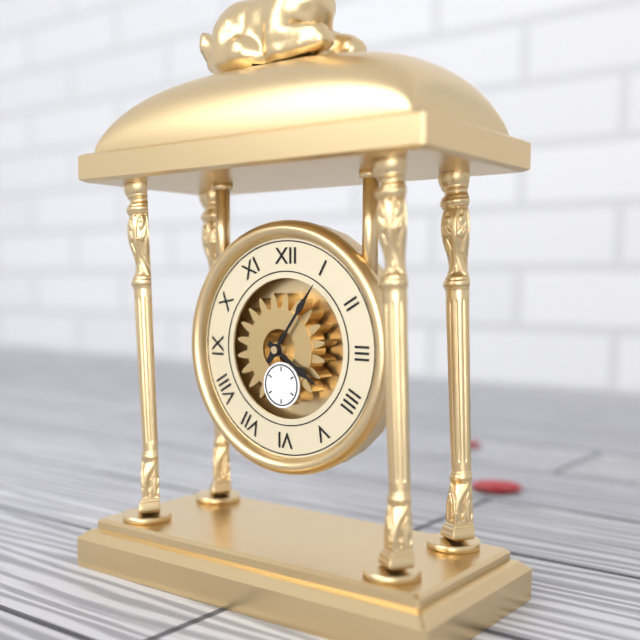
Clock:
4 h 06 min
